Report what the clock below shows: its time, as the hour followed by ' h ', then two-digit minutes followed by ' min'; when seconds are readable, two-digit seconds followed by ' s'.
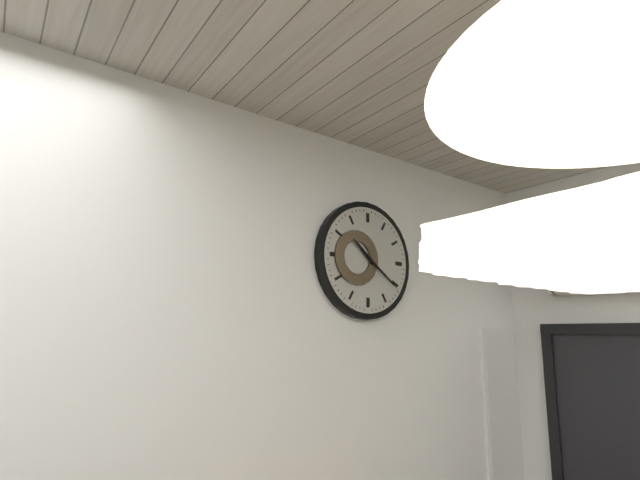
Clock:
10 h 21 min
